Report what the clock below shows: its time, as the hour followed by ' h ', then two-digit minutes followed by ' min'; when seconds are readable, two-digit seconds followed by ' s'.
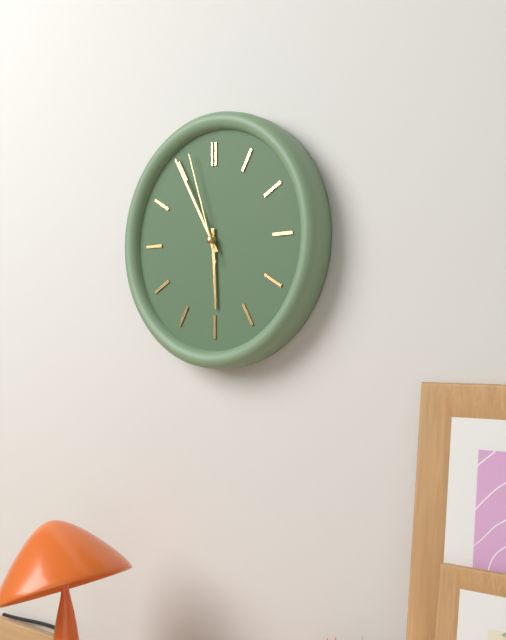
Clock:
5 h 55 min 57 s
